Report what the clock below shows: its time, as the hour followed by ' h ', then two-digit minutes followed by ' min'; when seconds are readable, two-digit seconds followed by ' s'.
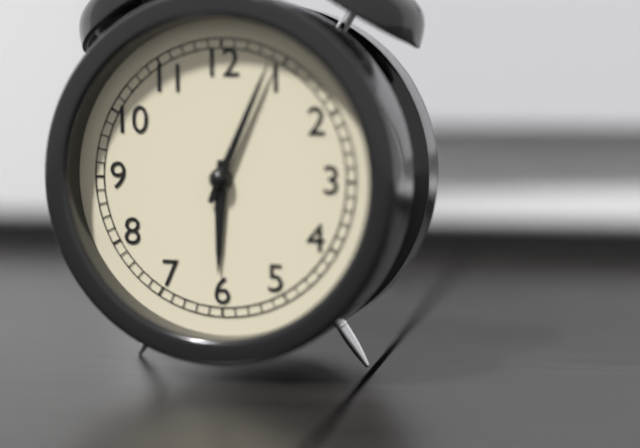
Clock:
6 h 04 min
